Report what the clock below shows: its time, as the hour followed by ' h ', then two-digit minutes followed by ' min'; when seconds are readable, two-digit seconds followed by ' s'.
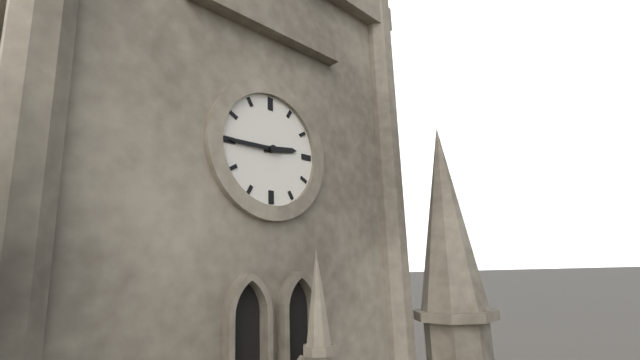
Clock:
2 h 45 min
